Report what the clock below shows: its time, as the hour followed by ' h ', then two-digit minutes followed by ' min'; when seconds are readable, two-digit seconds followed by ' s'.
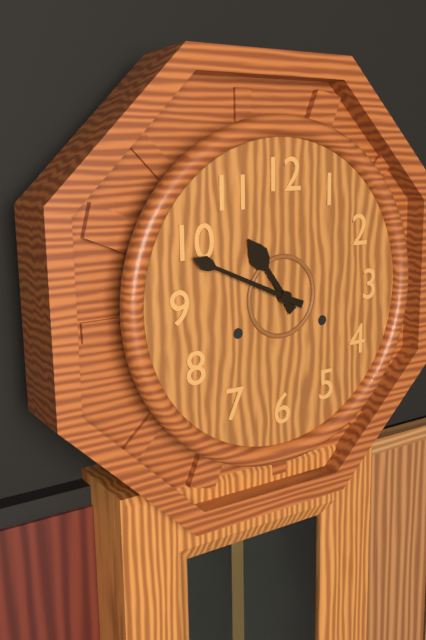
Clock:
10 h 49 min
